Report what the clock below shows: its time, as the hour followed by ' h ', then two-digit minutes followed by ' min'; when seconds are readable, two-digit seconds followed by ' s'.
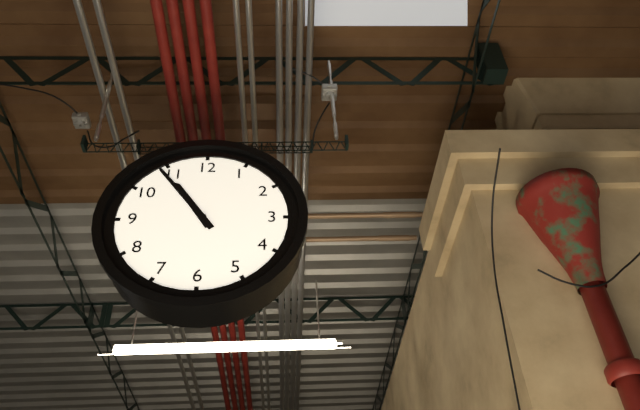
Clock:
10 h 54 min
